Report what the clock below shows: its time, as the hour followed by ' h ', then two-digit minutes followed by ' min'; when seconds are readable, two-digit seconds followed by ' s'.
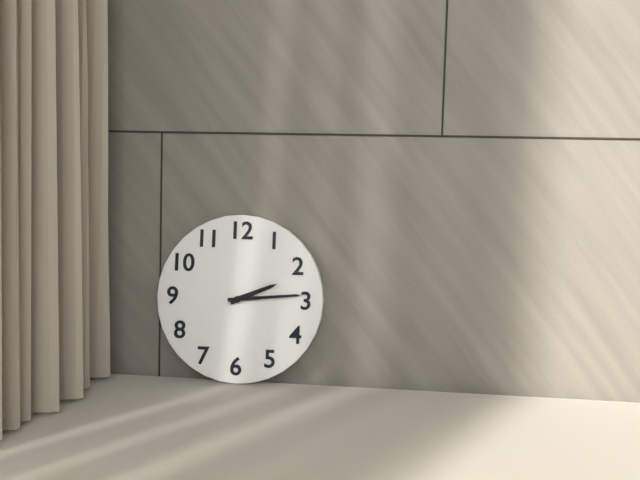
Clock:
2 h 14 min
